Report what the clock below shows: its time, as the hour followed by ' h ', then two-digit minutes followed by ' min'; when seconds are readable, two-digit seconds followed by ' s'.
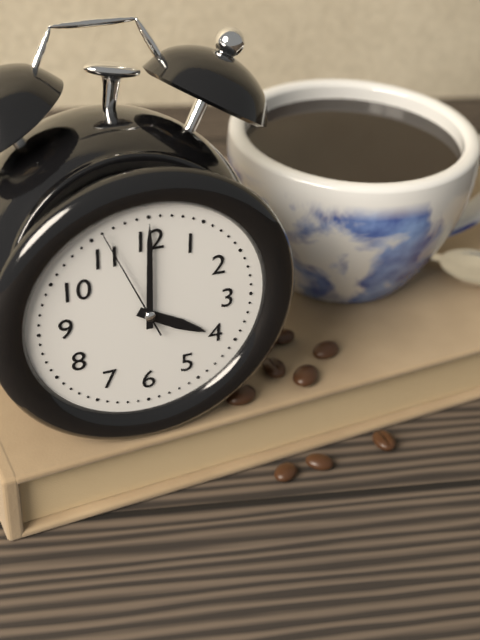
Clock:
4 h 00 min 56 s
